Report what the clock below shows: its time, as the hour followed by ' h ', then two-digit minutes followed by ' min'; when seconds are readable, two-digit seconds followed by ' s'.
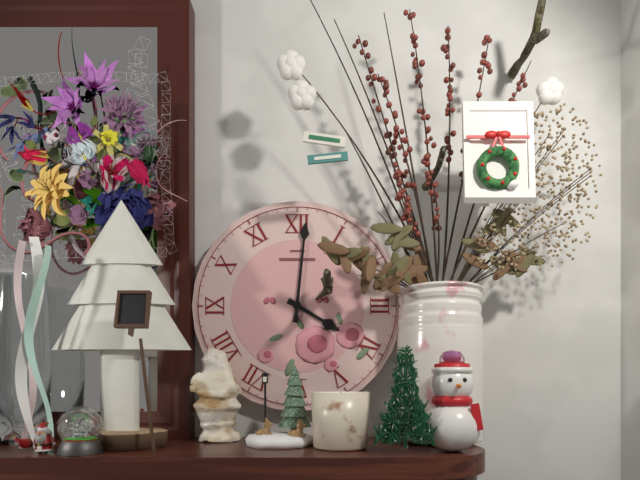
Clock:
4 h 01 min
